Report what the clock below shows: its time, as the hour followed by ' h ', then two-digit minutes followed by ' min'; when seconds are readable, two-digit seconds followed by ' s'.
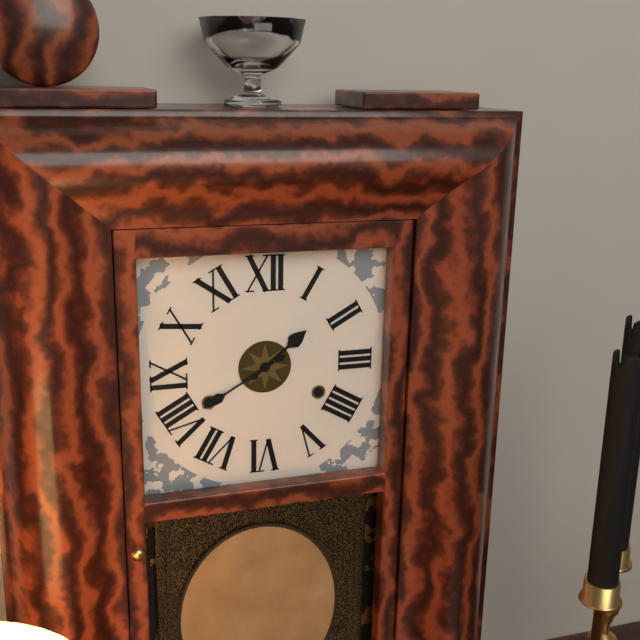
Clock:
1 h 40 min
